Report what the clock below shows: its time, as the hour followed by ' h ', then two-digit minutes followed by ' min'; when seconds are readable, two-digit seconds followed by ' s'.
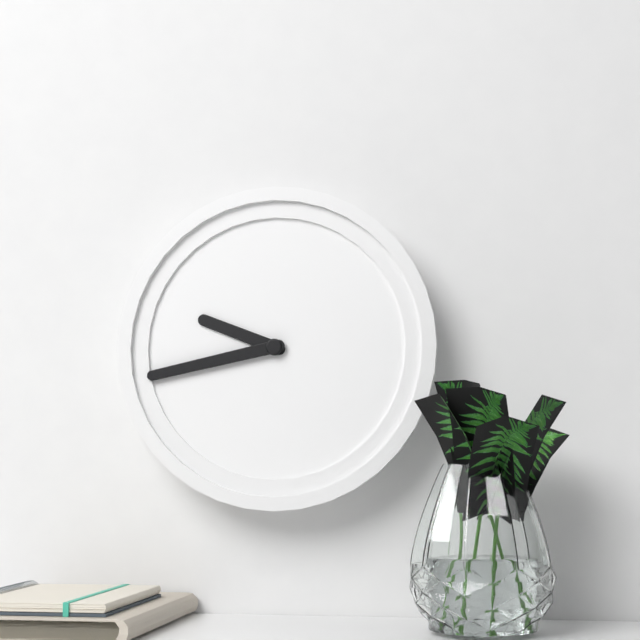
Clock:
9 h 43 min
